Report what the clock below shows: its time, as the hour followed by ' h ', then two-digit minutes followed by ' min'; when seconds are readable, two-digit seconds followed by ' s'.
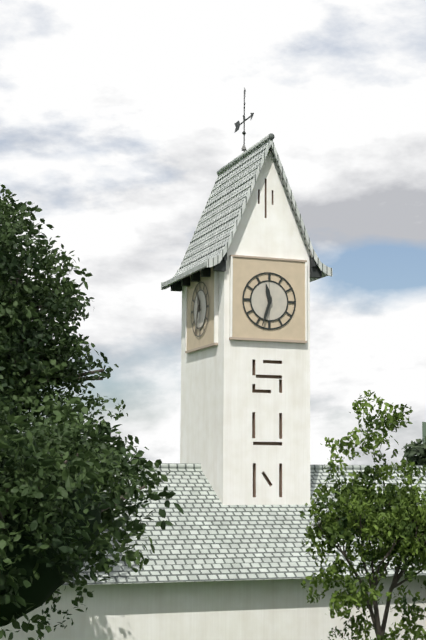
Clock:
11 h 33 min
